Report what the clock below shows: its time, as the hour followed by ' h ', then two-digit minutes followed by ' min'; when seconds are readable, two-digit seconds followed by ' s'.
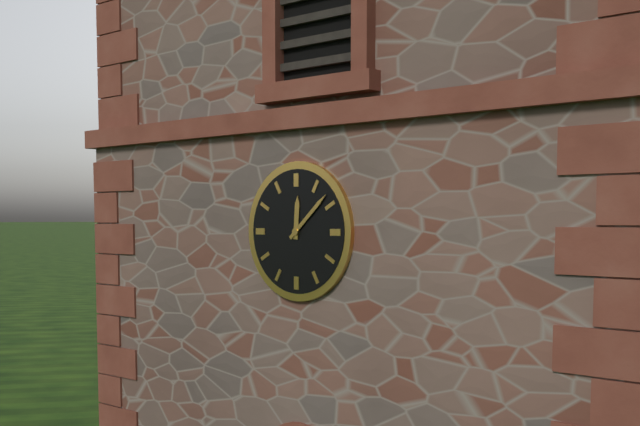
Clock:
12 h 08 min
